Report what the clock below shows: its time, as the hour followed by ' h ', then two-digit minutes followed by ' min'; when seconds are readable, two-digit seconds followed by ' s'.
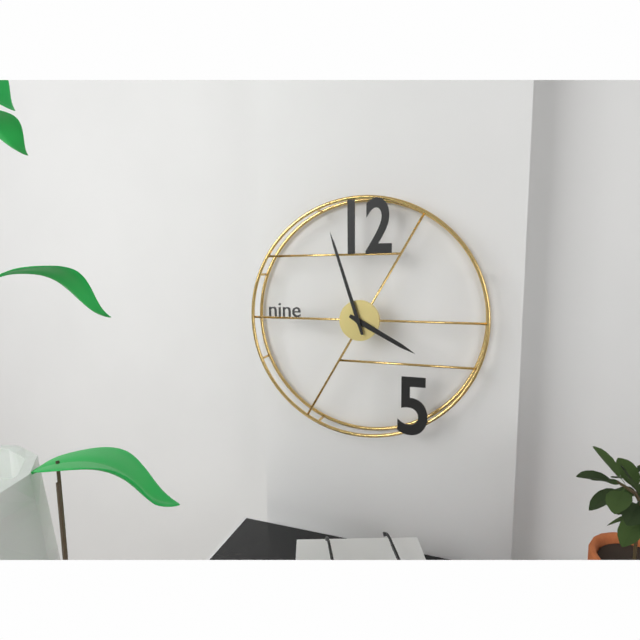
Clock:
3 h 57 min
